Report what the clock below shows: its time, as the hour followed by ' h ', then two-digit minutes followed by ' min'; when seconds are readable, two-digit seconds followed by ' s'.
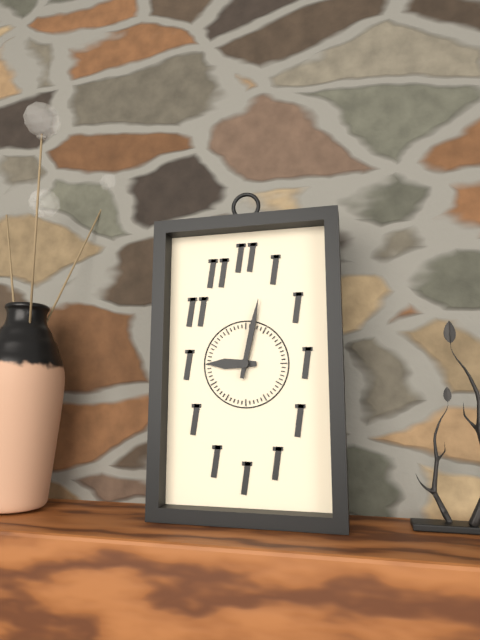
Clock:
9 h 02 min
